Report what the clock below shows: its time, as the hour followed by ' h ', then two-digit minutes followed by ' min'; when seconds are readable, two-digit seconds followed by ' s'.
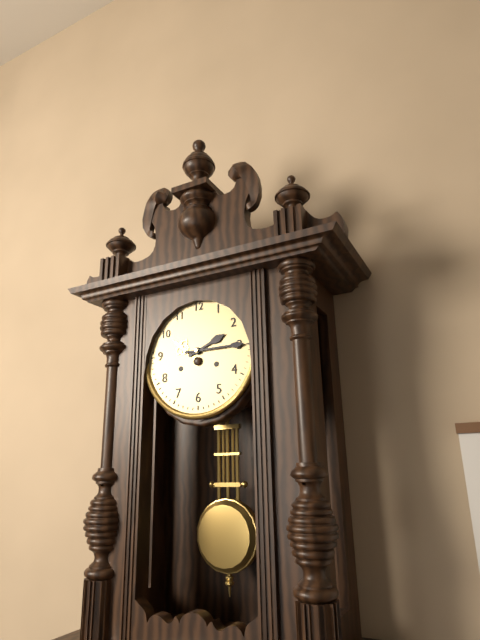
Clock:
2 h 15 min
